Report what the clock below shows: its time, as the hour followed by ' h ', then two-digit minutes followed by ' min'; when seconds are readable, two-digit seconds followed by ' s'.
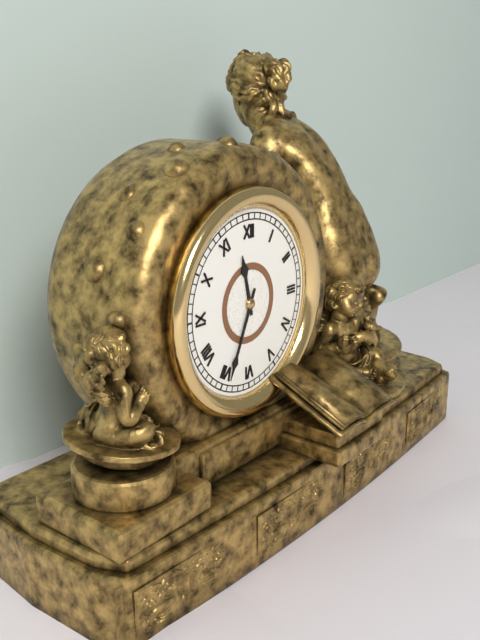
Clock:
11 h 34 min
